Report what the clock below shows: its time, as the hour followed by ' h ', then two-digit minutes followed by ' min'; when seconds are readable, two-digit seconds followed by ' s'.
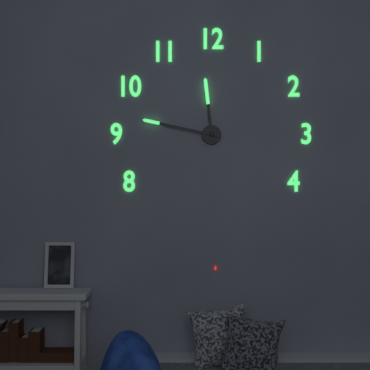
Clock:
11 h 47 min
